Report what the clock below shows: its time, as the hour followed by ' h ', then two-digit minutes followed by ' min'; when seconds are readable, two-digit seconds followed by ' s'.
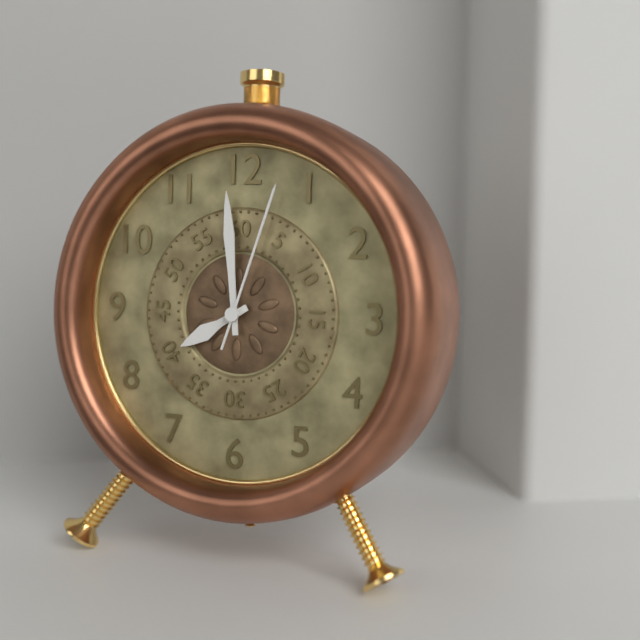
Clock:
7 h 59 min 03 s
